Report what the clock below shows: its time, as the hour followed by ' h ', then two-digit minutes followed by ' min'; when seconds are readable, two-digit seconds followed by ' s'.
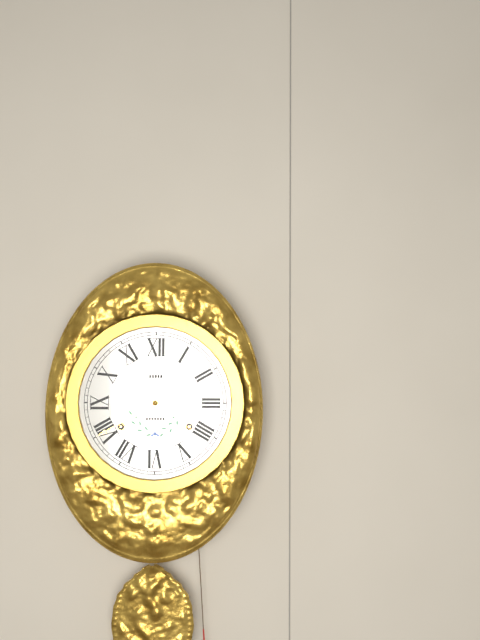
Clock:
3 h 40 min
